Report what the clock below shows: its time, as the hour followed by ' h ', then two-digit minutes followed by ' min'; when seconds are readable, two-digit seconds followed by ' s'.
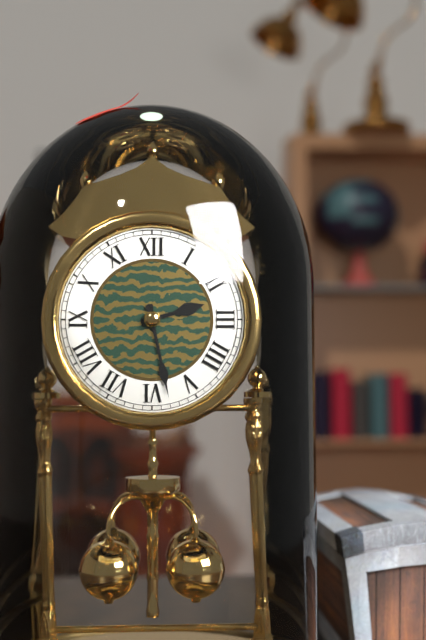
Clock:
2 h 28 min
